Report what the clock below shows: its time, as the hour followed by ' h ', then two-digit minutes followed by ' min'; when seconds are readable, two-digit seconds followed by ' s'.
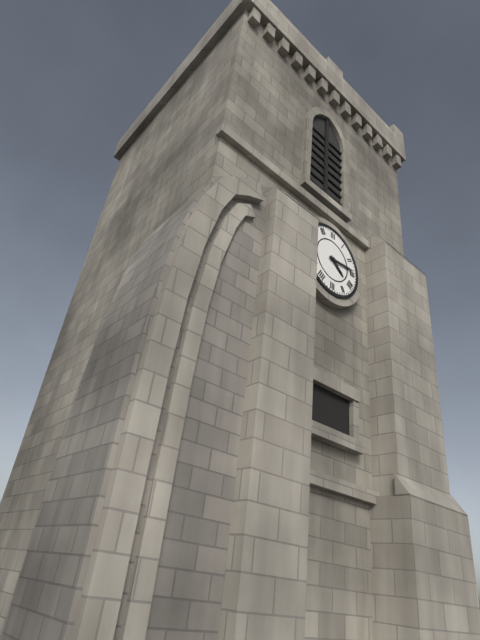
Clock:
4 h 14 min
